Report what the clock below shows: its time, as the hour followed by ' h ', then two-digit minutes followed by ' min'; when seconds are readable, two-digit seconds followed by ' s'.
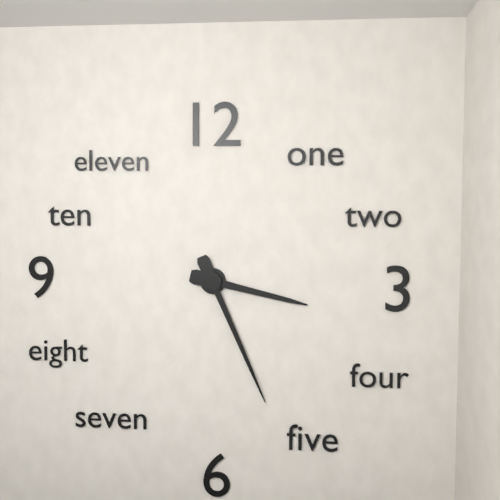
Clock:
3 h 26 min
